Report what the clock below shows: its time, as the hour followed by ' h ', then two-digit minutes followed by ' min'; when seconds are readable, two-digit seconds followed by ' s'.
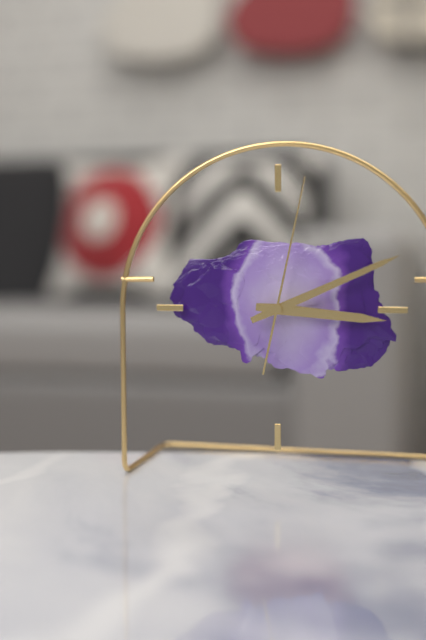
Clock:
3 h 11 min 02 s
